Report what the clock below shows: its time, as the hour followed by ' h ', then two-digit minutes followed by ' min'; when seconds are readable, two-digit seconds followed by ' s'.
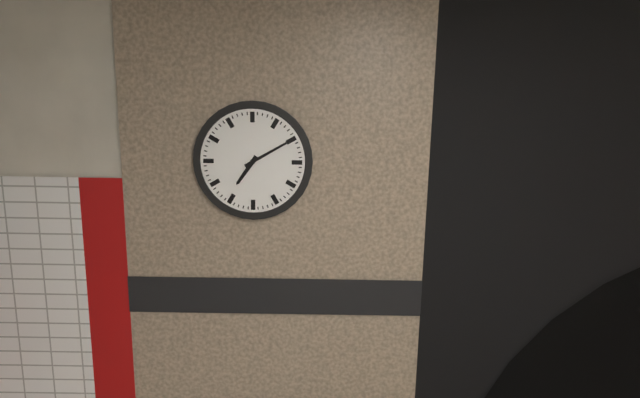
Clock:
7 h 10 min
